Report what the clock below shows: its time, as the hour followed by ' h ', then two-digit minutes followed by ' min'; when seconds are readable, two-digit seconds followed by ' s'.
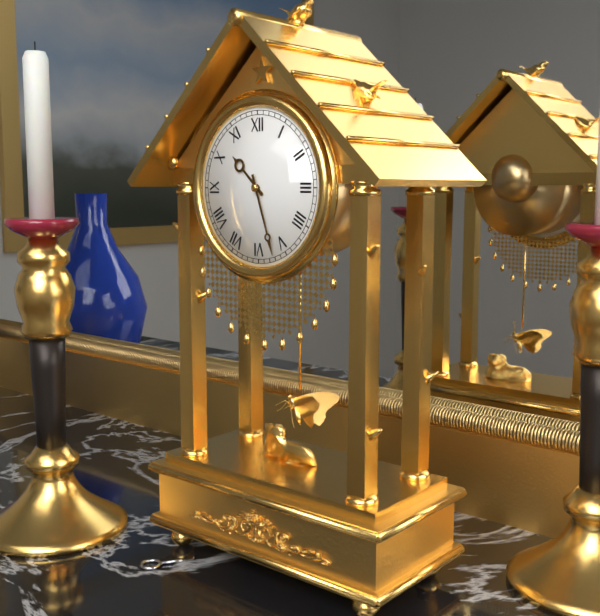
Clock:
10 h 27 min
